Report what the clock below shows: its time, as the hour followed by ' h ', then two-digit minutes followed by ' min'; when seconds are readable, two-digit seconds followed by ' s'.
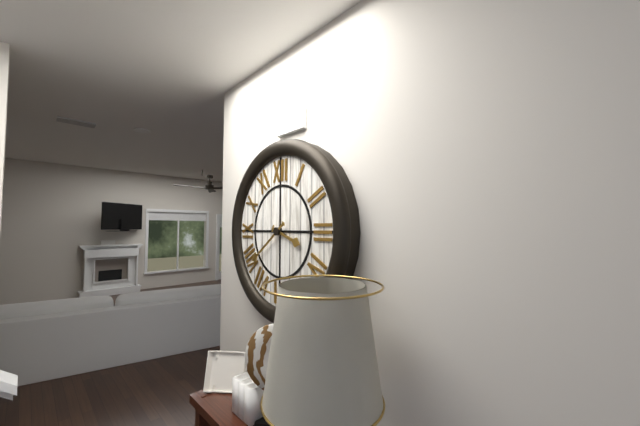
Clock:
3 h 39 min
